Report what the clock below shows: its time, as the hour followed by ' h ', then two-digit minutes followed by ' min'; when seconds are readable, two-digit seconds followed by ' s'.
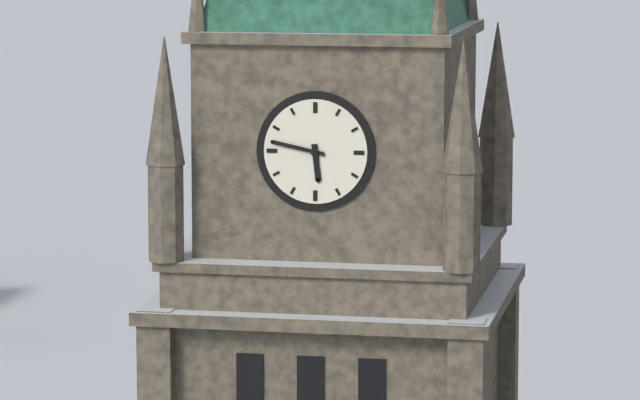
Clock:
5 h 47 min
